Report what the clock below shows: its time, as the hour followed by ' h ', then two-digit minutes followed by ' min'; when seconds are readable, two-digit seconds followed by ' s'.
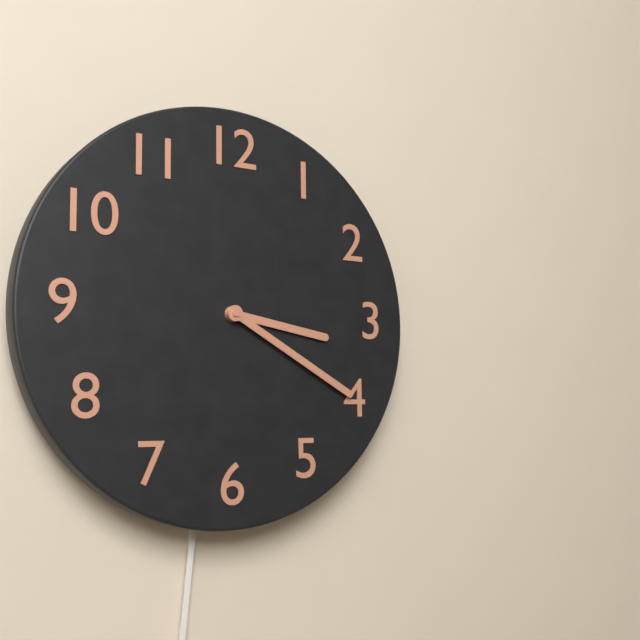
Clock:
3 h 20 min
